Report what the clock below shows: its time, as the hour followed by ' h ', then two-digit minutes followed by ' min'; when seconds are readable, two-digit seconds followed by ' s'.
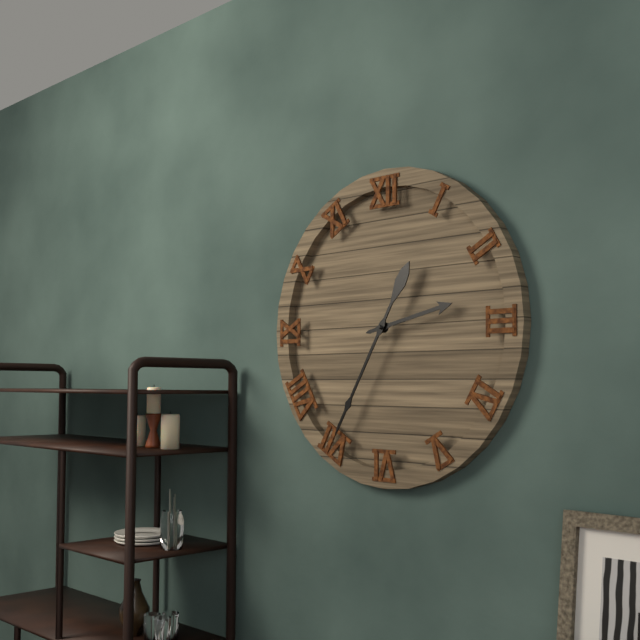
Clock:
2 h 35 min
